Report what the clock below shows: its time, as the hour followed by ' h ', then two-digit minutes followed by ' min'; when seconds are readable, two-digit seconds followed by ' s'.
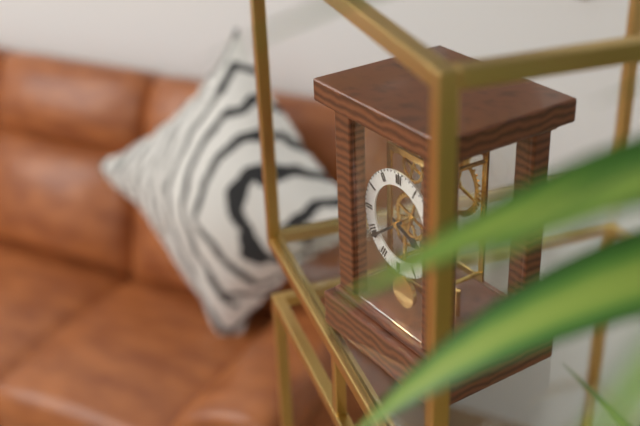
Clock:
3 h 39 min
